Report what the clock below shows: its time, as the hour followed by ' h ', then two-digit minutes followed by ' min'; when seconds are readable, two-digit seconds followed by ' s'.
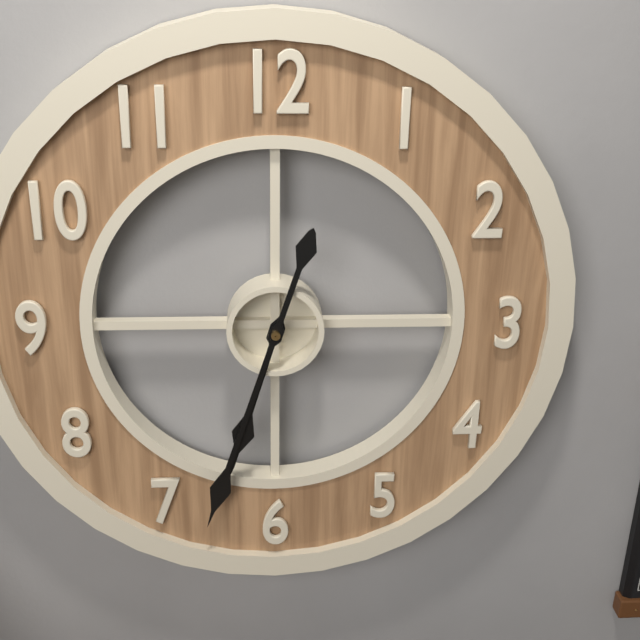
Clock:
6 h 33 min
